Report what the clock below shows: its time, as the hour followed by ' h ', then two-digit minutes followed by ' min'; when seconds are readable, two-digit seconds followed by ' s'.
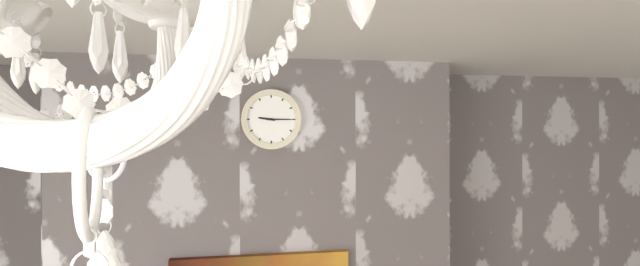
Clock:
9 h 15 min
